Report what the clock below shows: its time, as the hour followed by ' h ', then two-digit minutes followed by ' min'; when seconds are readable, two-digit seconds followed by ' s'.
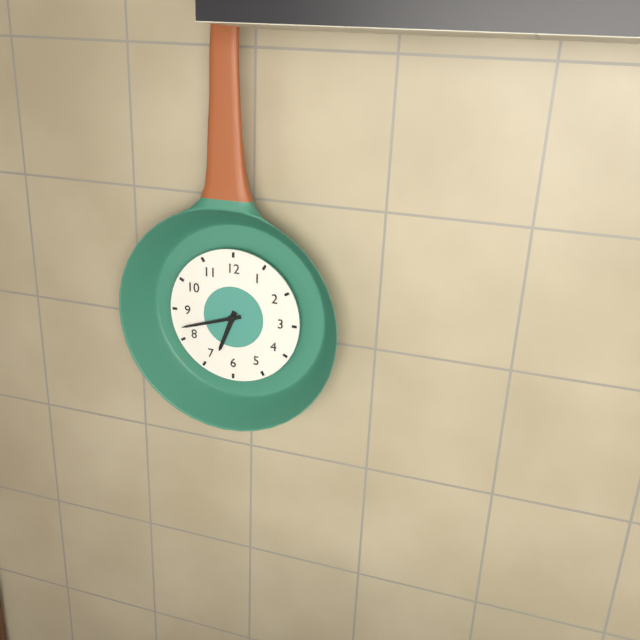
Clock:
6 h 42 min
